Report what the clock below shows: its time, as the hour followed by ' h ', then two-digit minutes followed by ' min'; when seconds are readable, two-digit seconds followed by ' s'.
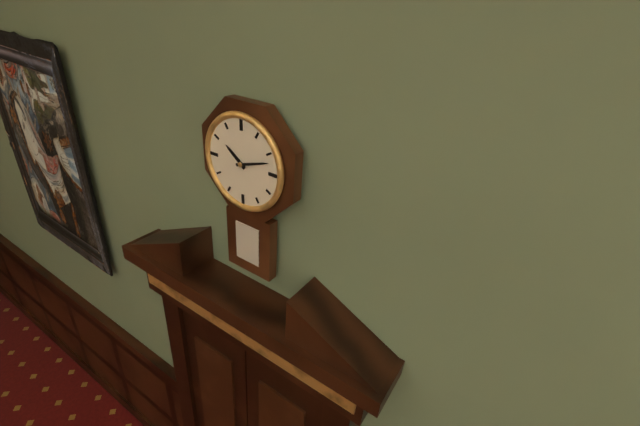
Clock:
10 h 12 min
